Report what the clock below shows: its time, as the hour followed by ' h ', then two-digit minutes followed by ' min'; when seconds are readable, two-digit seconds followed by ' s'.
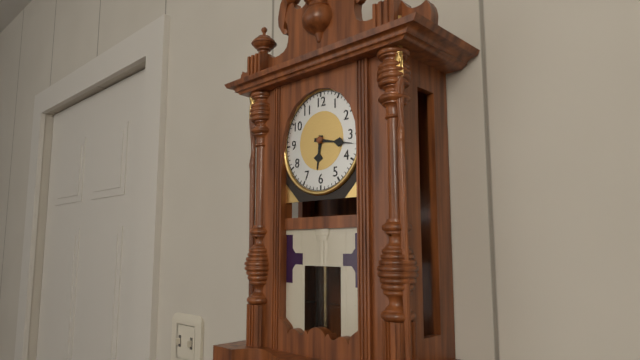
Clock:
6 h 17 min
